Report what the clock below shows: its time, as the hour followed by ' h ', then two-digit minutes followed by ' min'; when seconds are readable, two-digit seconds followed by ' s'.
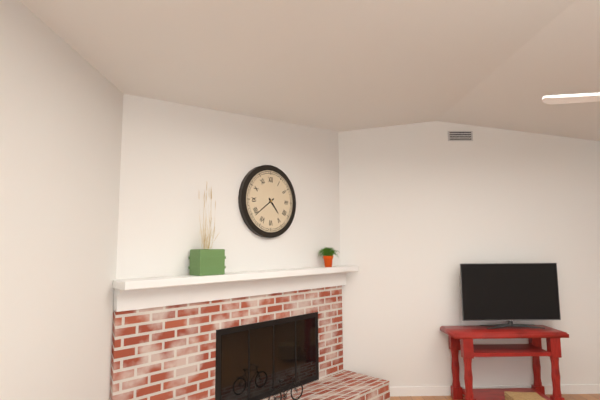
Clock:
4 h 39 min
